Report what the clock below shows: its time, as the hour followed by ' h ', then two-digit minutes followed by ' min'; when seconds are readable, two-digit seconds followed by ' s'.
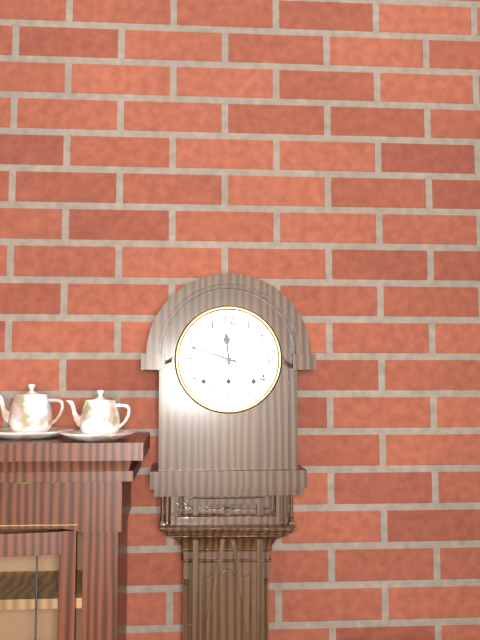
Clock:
11 h 48 min
